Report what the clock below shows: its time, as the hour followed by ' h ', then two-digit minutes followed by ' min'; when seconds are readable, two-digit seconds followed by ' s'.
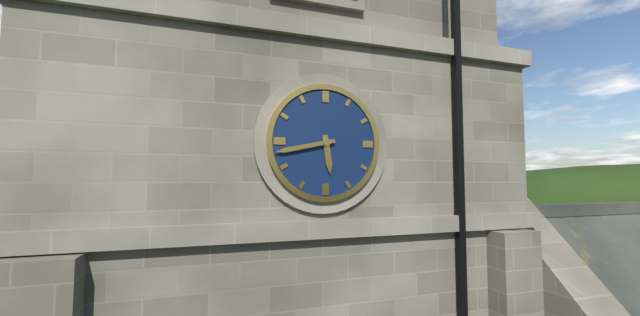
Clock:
5 h 43 min
